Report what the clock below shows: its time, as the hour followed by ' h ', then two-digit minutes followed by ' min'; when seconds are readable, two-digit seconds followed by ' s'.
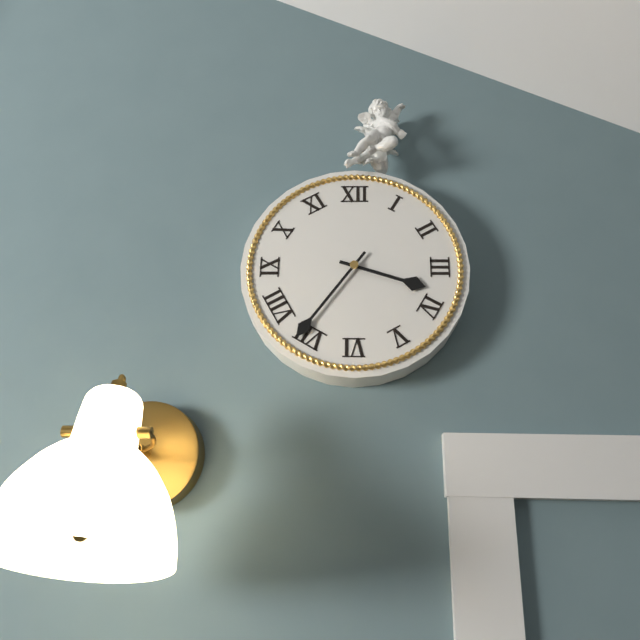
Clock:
3 h 36 min
